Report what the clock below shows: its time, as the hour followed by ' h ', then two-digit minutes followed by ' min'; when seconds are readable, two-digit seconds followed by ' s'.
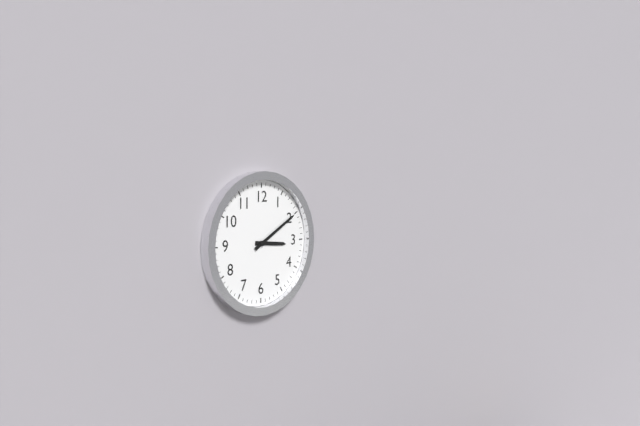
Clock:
3 h 10 min
